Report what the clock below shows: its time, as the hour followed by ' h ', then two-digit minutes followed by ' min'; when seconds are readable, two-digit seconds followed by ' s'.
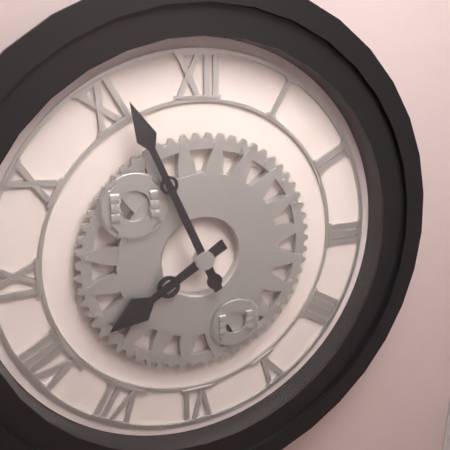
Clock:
7 h 56 min
